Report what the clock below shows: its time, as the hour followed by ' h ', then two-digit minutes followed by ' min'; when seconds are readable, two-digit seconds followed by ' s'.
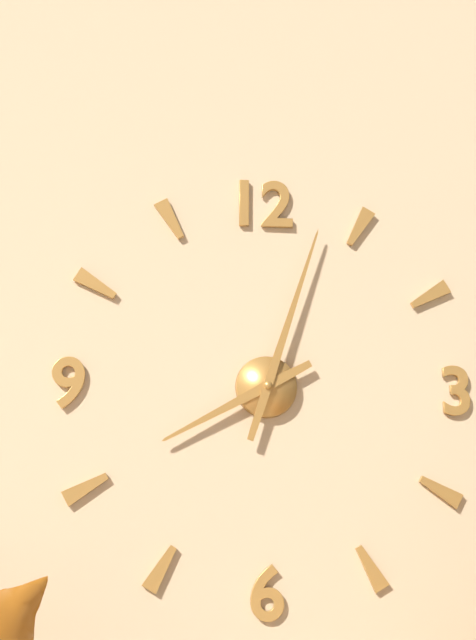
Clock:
8 h 03 min
